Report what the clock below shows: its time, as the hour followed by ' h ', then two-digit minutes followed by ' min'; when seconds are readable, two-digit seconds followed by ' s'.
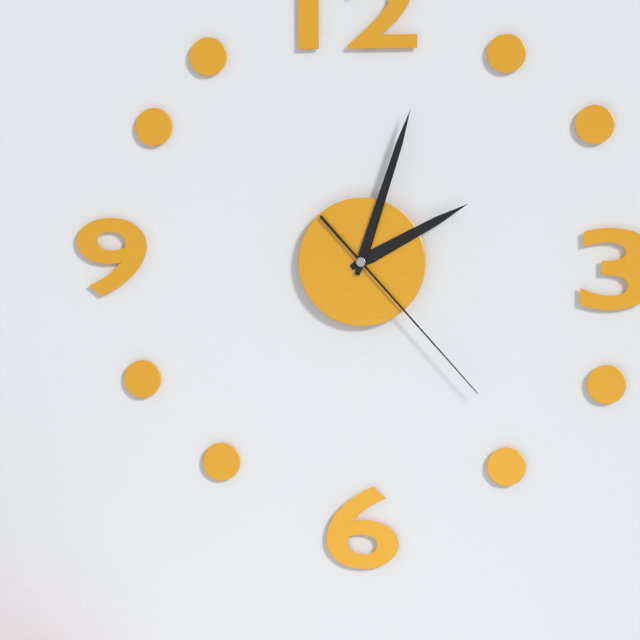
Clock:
2 h 03 min 23 s
